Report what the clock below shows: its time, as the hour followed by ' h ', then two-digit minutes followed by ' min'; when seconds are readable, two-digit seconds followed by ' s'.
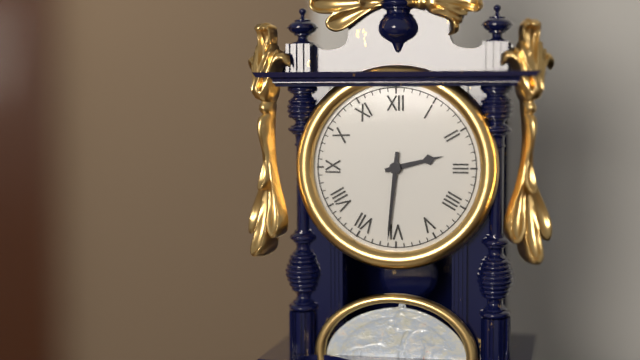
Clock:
2 h 31 min
